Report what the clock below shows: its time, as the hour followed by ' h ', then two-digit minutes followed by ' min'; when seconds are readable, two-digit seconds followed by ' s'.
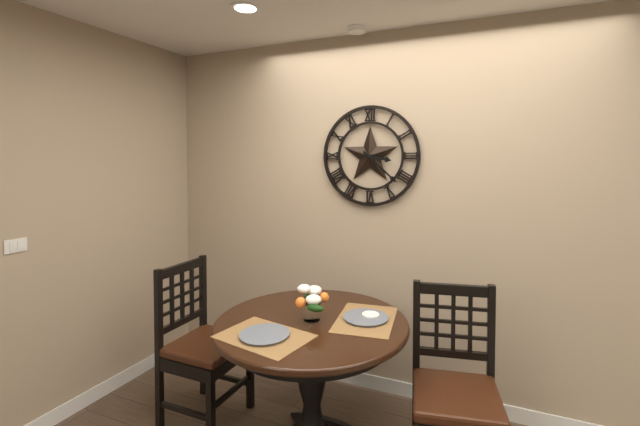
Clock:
3 h 22 min
